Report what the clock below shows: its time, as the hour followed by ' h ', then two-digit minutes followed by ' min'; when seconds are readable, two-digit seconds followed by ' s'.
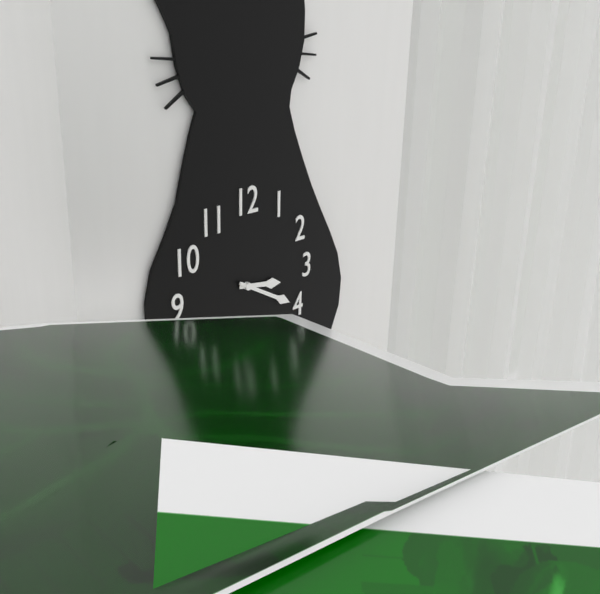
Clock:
3 h 20 min
